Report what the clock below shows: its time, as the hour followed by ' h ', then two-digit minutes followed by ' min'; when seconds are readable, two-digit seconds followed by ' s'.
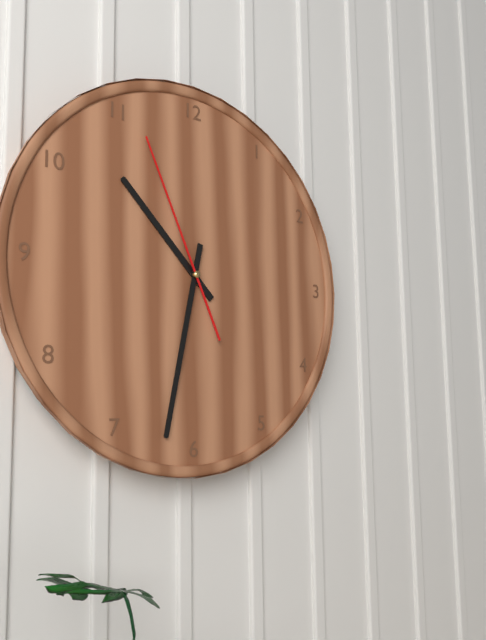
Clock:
10 h 32 min 56 s
